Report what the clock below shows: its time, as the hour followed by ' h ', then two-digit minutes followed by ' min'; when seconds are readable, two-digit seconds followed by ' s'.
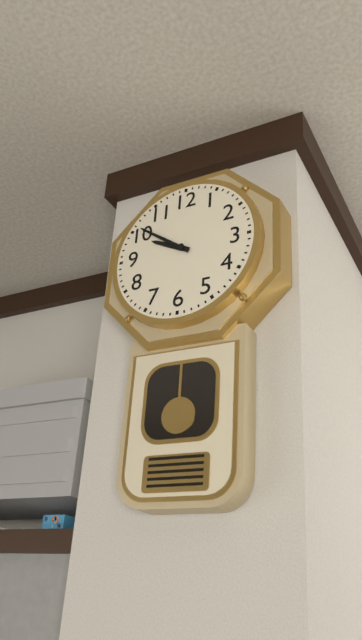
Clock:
9 h 51 min
